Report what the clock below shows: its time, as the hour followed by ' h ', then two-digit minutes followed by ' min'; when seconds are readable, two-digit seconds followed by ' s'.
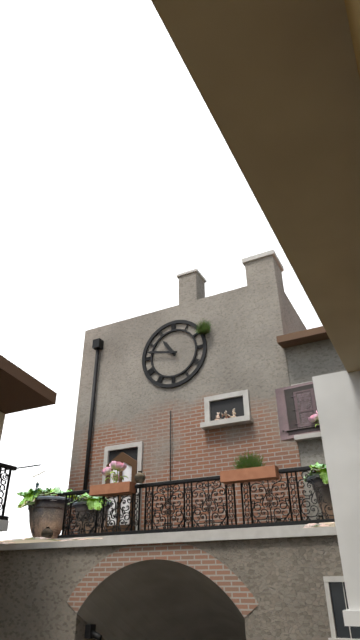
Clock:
10 h 47 min
